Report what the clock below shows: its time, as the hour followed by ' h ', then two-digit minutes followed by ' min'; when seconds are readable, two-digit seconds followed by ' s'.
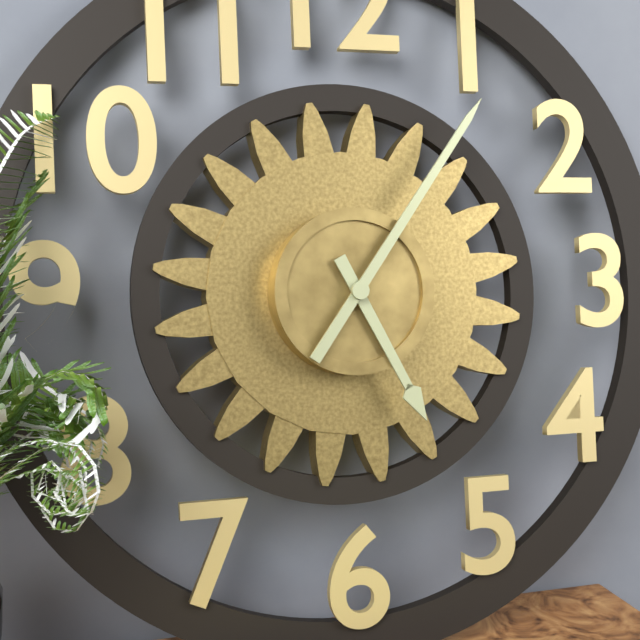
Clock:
5 h 06 min
